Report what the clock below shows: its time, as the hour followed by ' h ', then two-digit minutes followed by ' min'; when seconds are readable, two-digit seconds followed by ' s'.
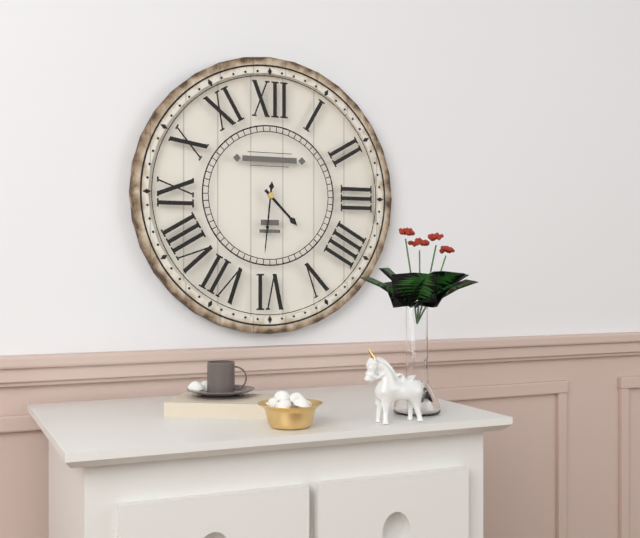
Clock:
4 h 31 min
